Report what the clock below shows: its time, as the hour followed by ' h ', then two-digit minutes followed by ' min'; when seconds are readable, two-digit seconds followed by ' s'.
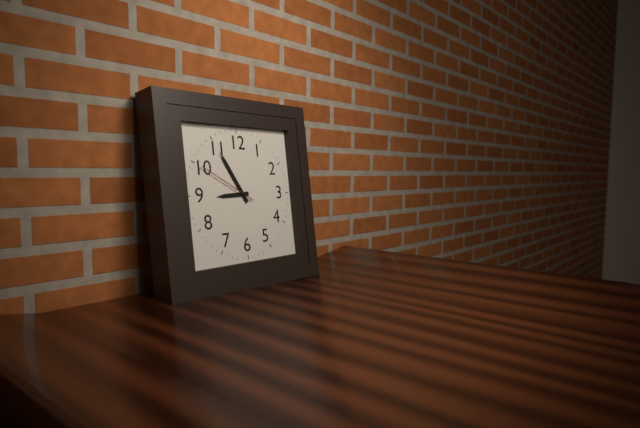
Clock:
8 h 55 min 50 s
